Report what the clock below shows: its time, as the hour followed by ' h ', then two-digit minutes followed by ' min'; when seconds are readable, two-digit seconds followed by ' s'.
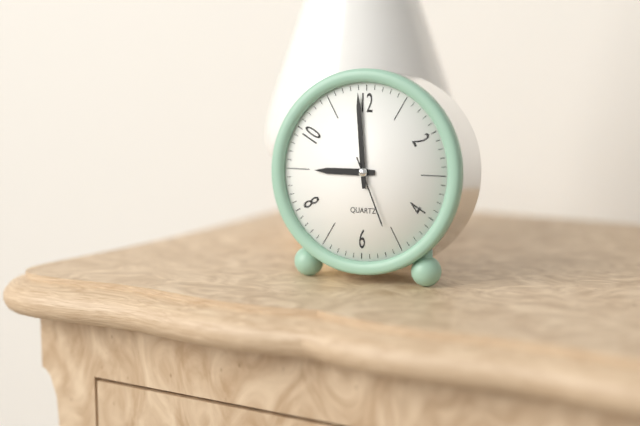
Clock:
8 h 59 min 26 s
